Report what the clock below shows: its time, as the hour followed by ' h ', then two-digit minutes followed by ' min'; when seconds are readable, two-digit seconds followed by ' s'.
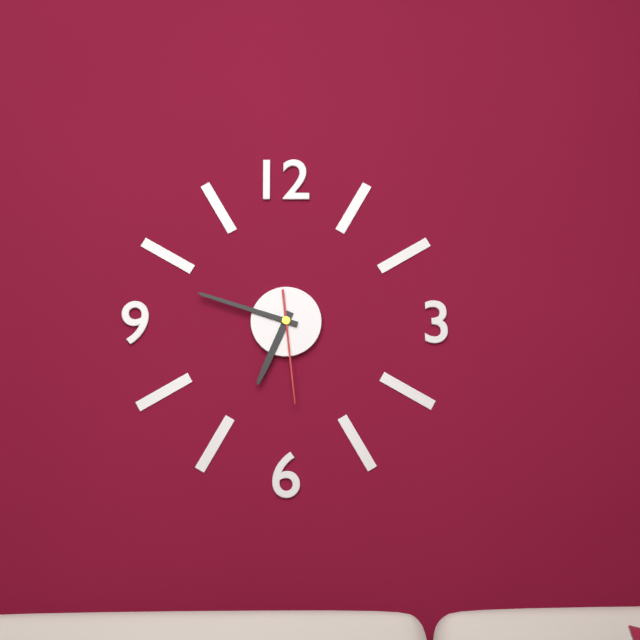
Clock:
6 h 48 min 29 s
